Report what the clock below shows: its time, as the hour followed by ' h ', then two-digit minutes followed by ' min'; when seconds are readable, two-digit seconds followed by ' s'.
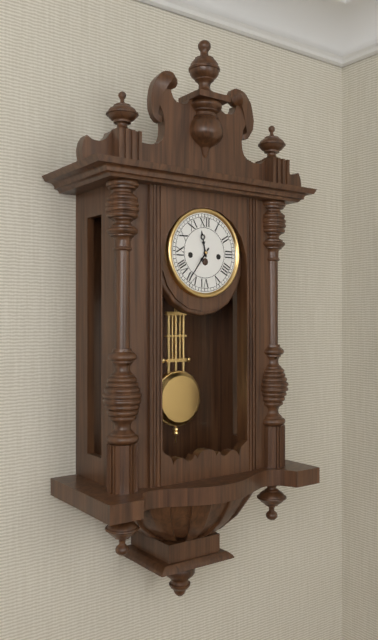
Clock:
11 h 36 min
